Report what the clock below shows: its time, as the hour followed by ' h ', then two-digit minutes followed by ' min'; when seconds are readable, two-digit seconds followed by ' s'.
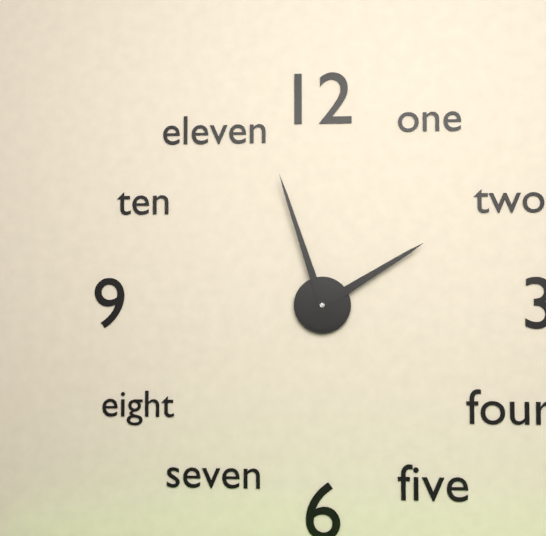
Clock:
1 h 57 min
